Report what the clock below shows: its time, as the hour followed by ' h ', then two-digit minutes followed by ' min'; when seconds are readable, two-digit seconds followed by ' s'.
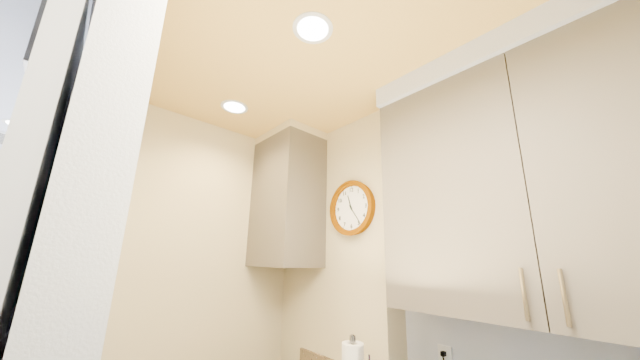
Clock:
11 h 24 min
